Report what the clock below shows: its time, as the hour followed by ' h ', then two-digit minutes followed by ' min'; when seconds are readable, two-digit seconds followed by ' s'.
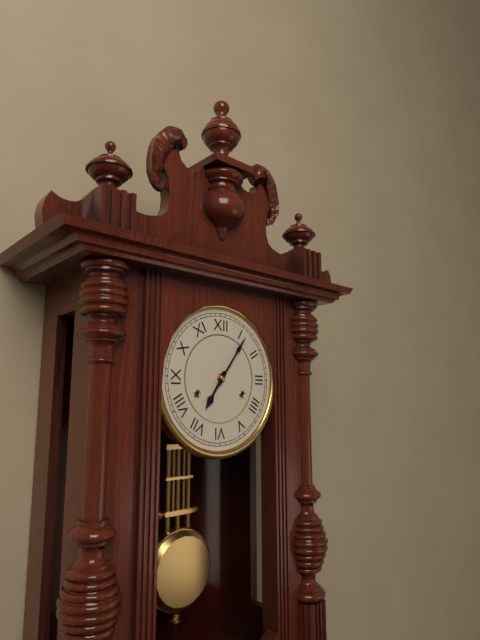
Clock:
7 h 06 min
